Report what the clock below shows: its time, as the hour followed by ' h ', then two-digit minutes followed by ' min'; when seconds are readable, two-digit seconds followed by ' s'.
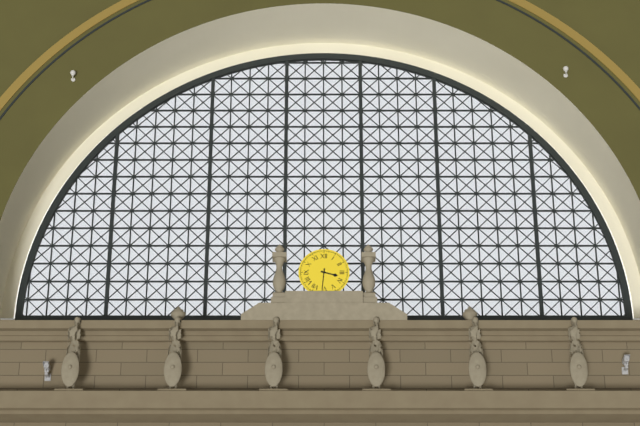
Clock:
3 h 31 min
